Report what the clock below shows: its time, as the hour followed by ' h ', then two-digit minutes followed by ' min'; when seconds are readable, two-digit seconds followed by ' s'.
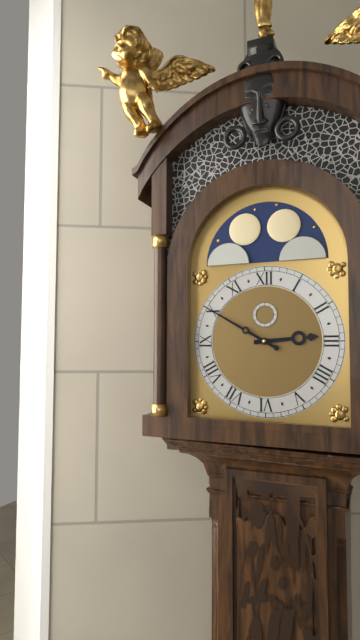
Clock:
2 h 50 min
